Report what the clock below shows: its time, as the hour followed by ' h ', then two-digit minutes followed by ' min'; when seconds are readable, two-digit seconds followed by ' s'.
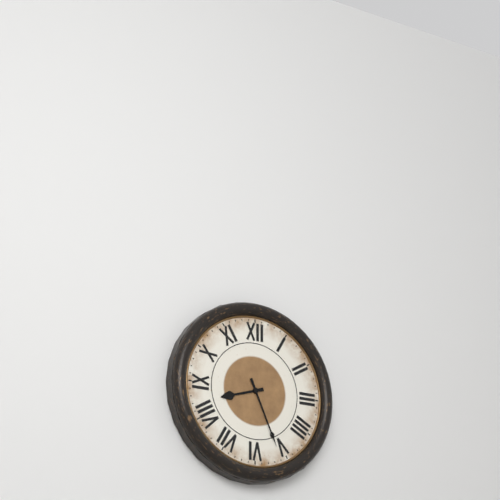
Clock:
8 h 26 min
